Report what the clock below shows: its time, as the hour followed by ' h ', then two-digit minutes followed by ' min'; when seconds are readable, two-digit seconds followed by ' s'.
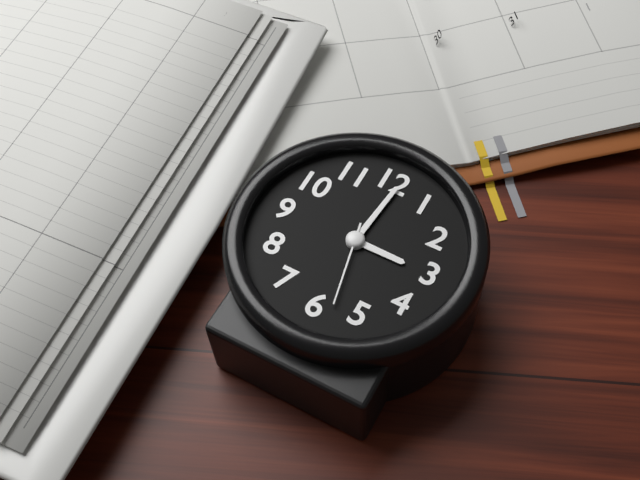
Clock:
3 h 01 min 28 s
